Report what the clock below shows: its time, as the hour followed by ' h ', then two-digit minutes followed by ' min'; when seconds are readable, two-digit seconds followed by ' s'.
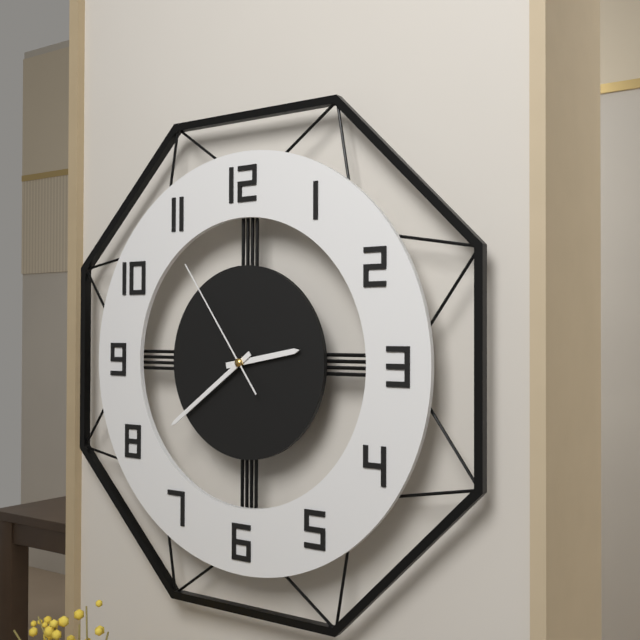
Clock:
2 h 39 min 54 s
